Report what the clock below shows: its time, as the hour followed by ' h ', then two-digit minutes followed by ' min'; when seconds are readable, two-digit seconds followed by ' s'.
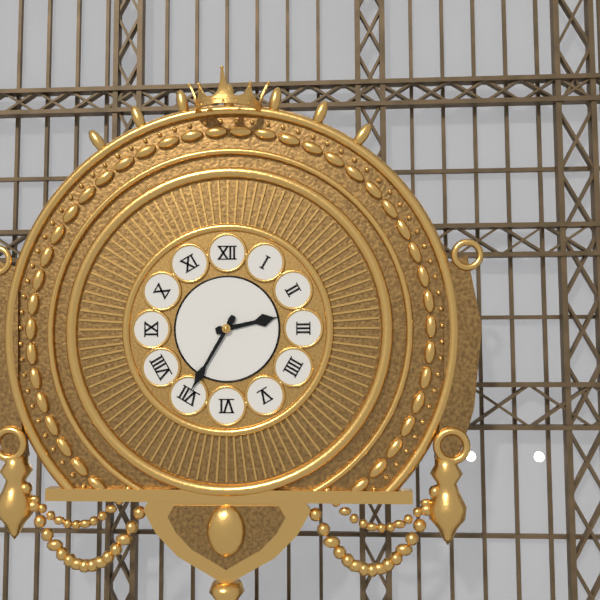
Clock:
2 h 35 min
